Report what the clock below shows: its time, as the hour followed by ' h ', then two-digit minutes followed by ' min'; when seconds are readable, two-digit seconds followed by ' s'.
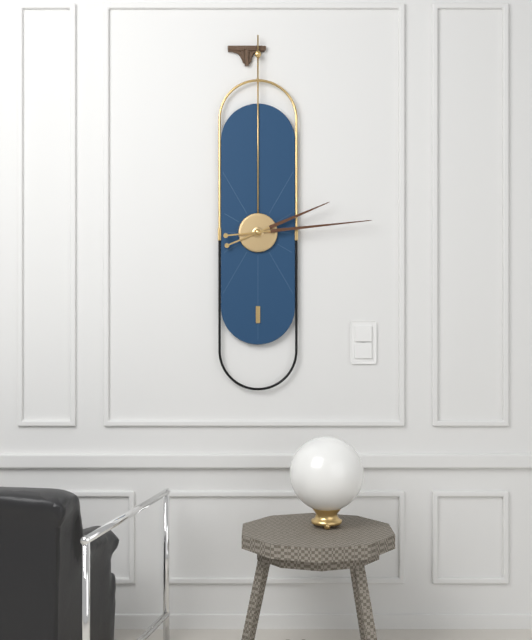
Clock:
2 h 14 min
